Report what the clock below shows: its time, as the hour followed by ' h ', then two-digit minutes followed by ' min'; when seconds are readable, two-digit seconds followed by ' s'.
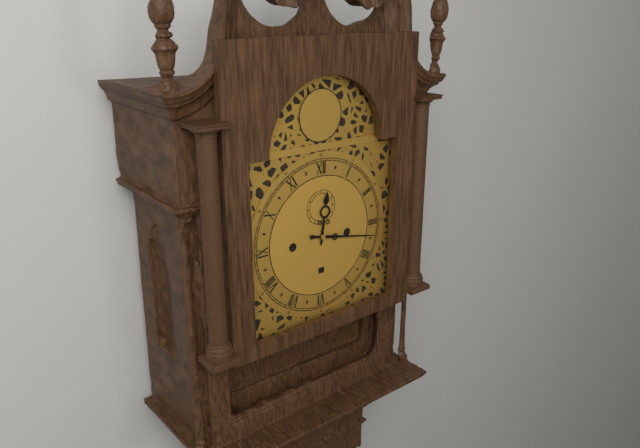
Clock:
12 h 17 min
